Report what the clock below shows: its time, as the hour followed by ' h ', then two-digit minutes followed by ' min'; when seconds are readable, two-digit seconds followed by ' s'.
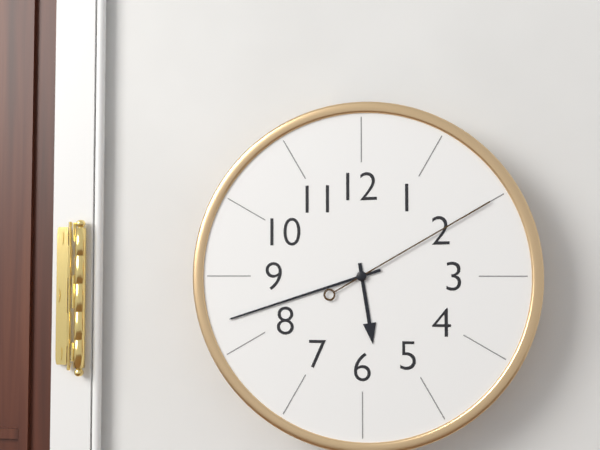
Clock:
5 h 42 min 10 s
